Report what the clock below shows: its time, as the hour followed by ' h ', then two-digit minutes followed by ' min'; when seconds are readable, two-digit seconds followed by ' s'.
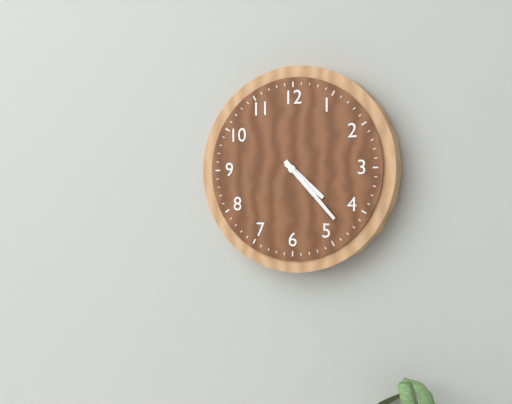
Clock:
4 h 23 min
